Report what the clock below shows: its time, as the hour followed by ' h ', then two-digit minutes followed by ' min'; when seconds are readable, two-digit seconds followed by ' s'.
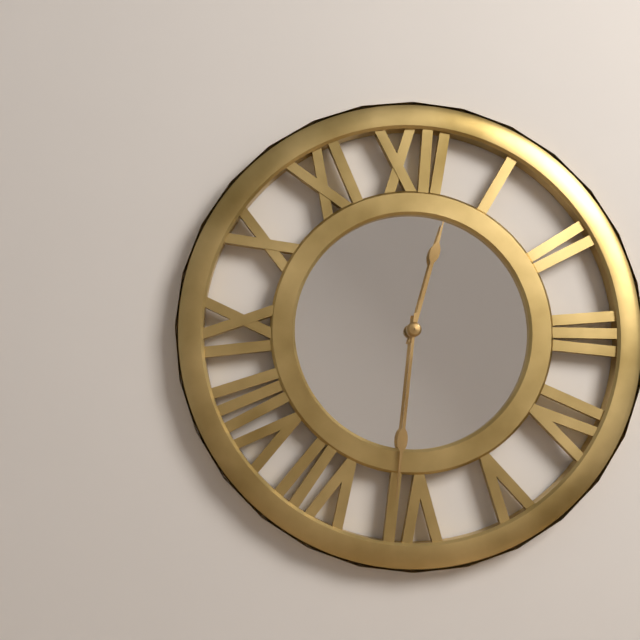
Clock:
12 h 31 min
